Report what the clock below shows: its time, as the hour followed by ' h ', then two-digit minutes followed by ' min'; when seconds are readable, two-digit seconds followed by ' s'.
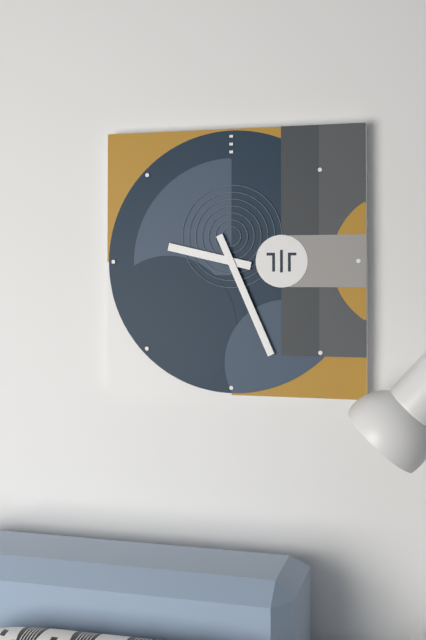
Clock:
9 h 26 min
